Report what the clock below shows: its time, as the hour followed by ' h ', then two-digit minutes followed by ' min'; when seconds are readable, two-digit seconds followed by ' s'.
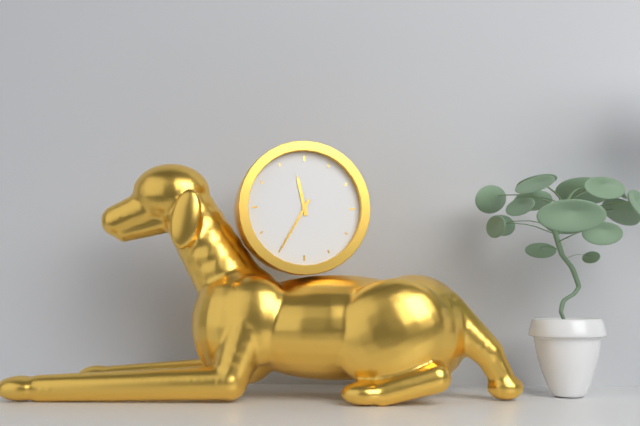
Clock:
11 h 35 min
